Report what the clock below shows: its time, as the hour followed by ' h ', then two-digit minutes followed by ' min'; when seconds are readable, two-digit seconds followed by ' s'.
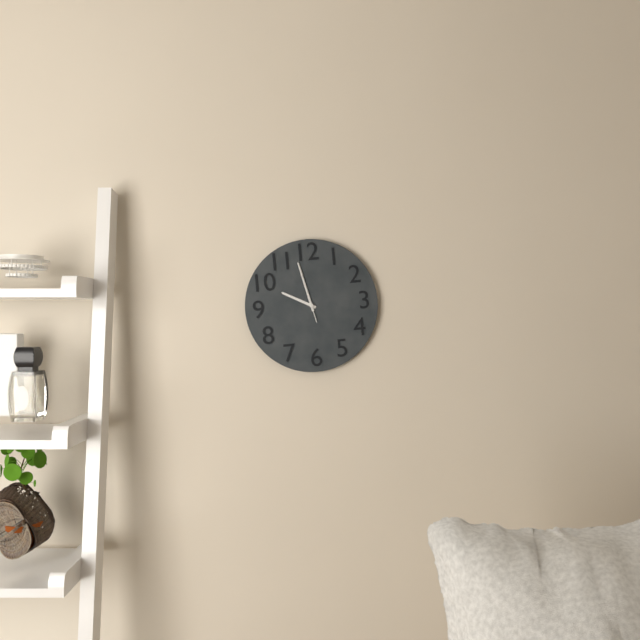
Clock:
9 h 58 min 58 s
